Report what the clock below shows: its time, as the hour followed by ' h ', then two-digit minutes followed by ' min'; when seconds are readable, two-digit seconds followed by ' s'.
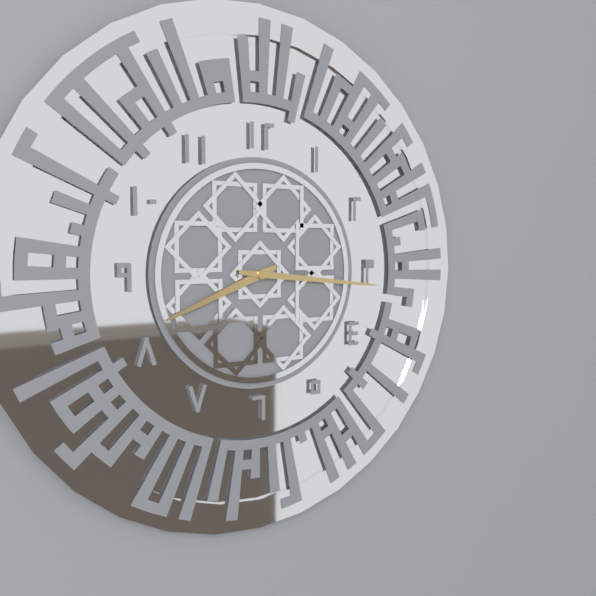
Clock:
8 h 16 min
